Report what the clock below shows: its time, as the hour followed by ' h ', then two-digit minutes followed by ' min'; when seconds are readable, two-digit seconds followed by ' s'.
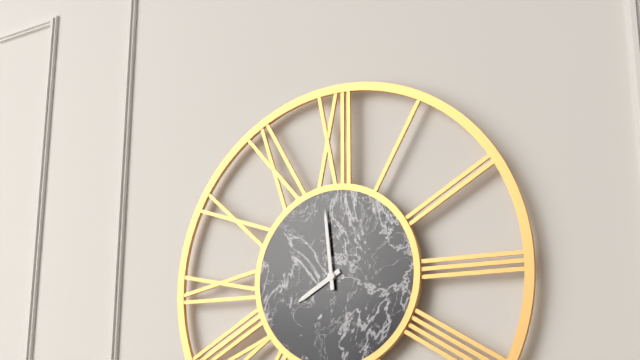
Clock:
7 h 59 min
